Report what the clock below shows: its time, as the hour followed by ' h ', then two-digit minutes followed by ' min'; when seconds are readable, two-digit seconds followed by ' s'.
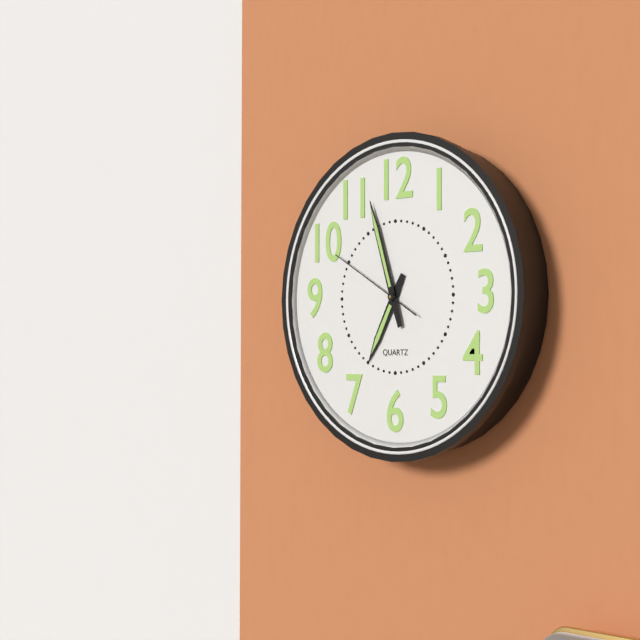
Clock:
6 h 57 min 50 s
